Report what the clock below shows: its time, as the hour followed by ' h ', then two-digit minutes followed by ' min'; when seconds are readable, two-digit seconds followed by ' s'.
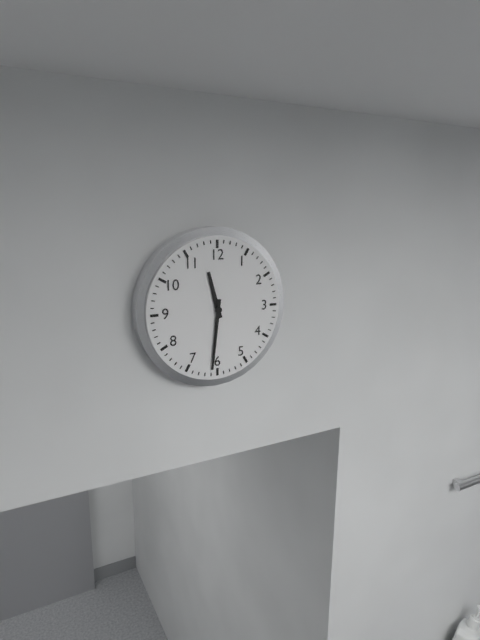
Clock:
11 h 31 min
